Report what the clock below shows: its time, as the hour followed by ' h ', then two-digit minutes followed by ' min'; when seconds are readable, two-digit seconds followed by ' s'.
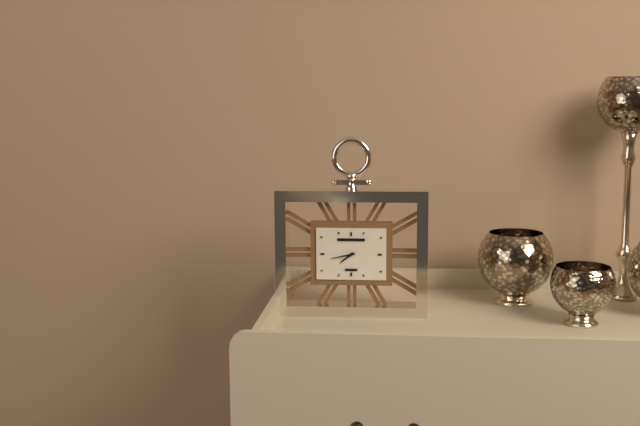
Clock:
7 h 43 min
